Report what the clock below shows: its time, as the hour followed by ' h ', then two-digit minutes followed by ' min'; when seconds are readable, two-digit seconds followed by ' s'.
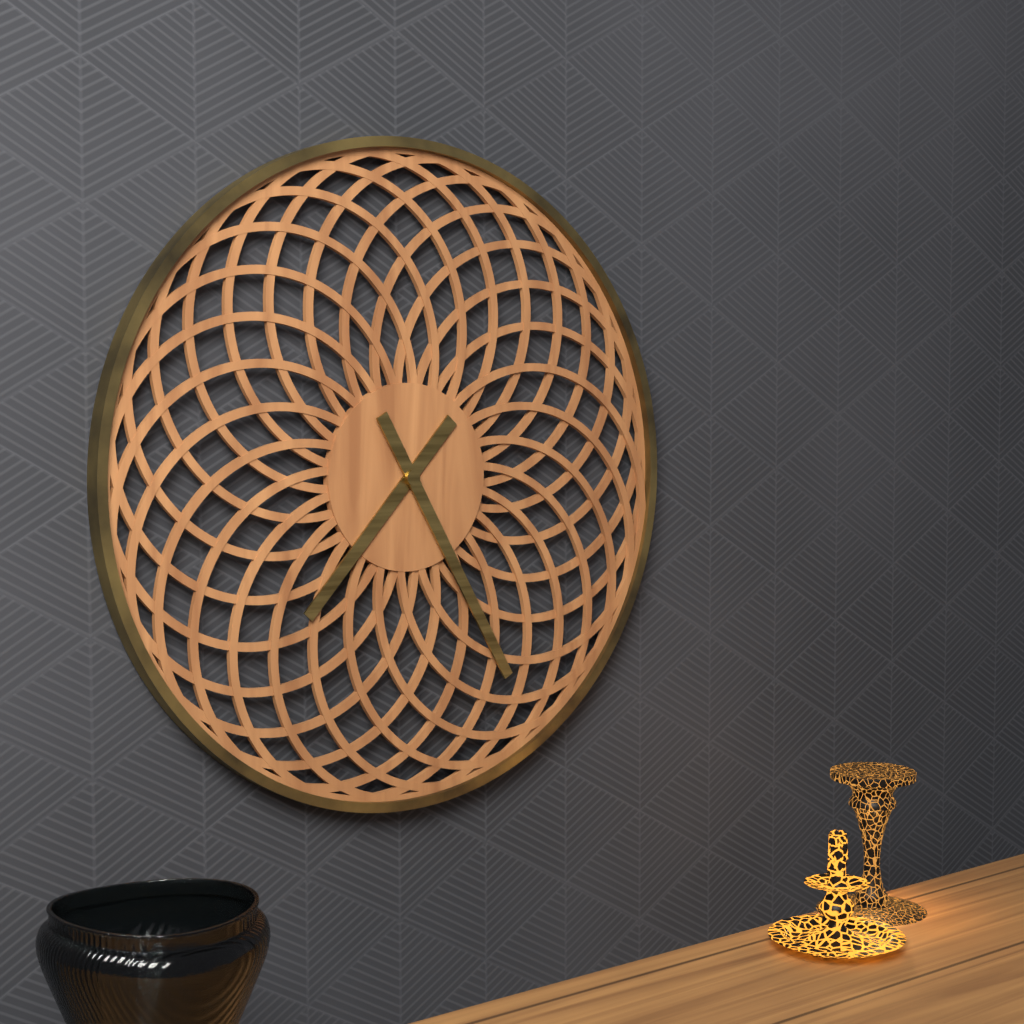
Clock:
7 h 25 min
